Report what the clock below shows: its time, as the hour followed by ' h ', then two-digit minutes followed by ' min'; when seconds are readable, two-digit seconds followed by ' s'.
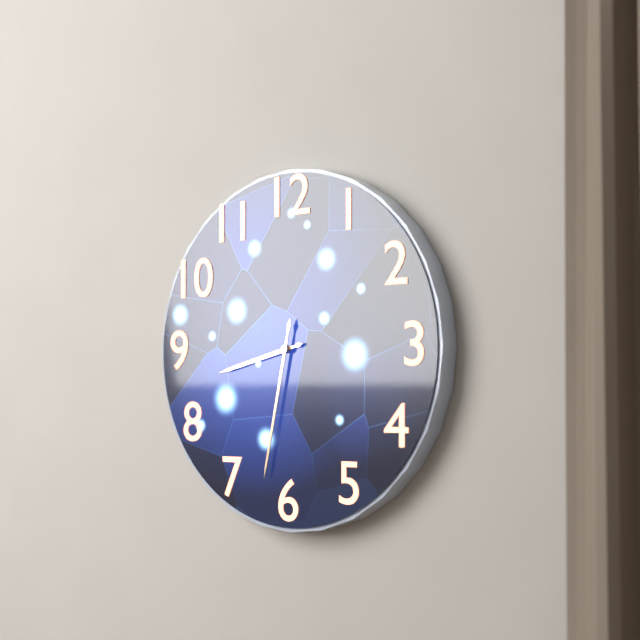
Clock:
8 h 32 min
